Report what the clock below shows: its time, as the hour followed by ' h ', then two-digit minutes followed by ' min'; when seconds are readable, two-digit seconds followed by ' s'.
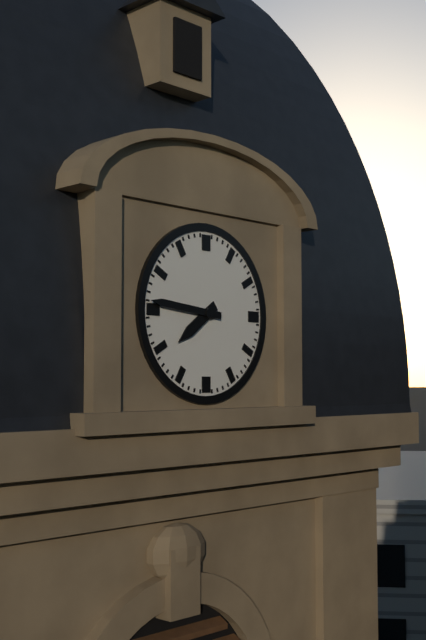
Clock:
7 h 46 min
